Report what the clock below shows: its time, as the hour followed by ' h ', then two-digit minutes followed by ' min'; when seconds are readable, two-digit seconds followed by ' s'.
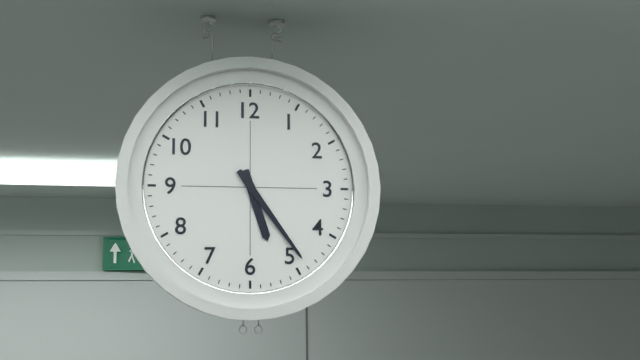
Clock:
5 h 24 min
